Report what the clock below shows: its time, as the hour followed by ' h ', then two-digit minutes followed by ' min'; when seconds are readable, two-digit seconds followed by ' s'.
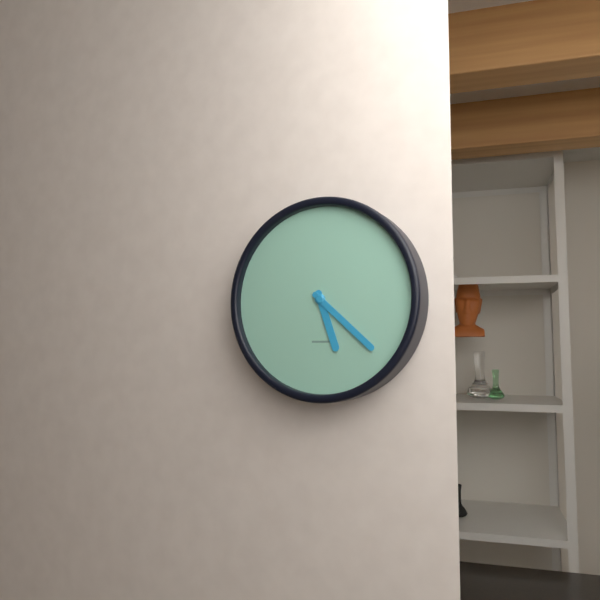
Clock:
5 h 22 min
